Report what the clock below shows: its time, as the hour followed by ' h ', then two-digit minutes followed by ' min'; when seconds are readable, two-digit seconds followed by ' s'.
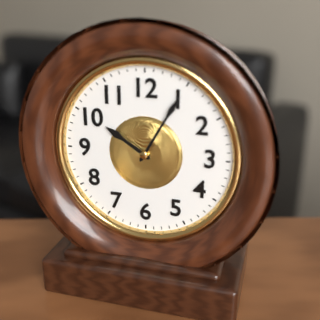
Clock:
10 h 05 min
